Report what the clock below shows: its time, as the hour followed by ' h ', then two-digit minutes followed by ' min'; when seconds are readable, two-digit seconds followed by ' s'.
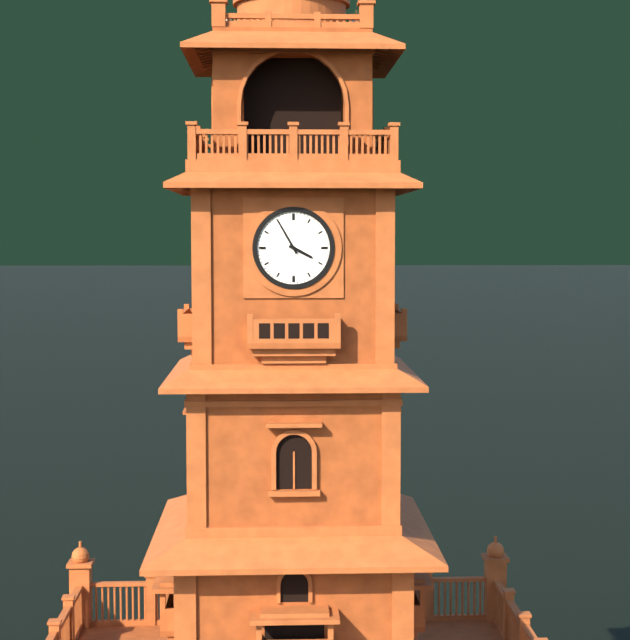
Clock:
3 h 55 min
